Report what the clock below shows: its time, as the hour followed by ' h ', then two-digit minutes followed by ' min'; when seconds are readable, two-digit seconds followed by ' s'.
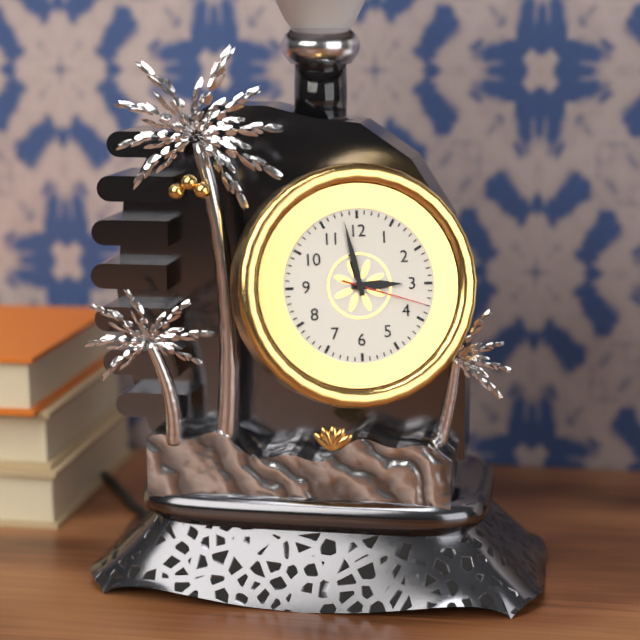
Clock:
2 h 58 min 18 s
